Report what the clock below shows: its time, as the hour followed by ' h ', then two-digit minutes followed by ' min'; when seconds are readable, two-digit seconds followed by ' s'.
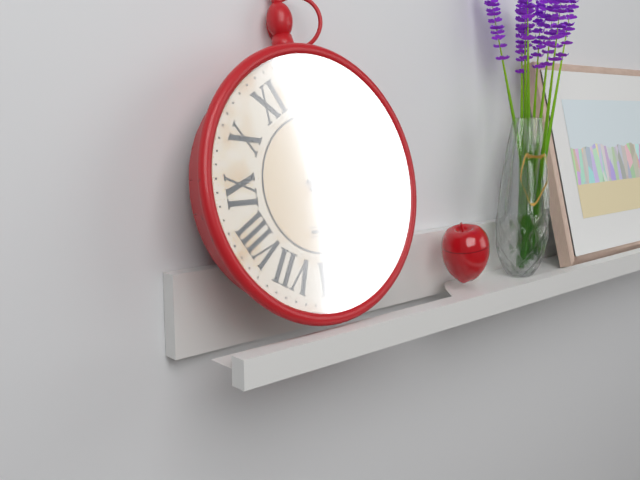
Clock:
2 h 17 min
